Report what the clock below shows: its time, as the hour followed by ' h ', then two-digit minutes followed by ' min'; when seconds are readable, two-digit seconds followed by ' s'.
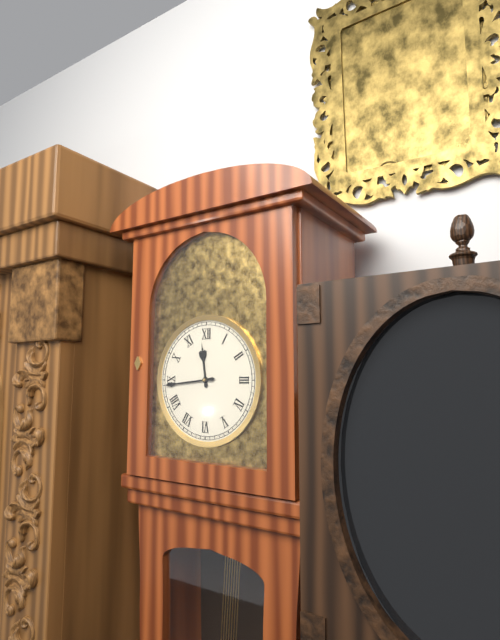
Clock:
11 h 44 min
